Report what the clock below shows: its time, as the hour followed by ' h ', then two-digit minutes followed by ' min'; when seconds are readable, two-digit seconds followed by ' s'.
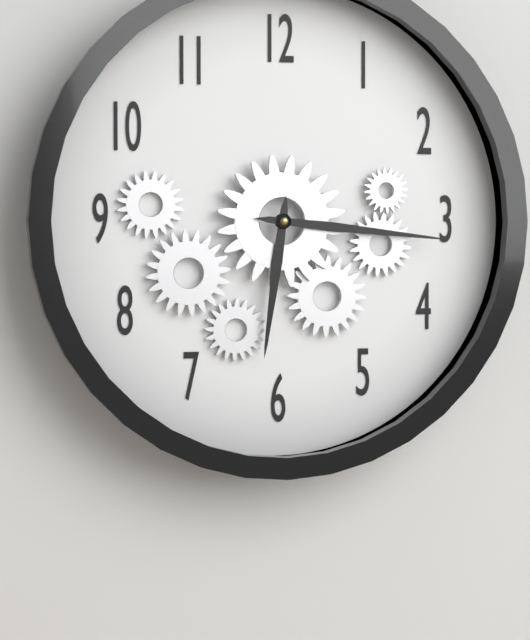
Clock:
6 h 16 min
